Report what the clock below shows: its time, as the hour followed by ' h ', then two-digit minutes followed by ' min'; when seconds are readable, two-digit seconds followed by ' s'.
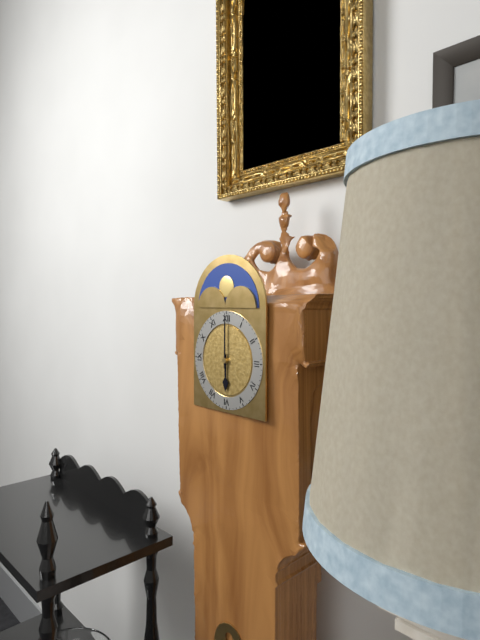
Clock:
6 h 00 min
